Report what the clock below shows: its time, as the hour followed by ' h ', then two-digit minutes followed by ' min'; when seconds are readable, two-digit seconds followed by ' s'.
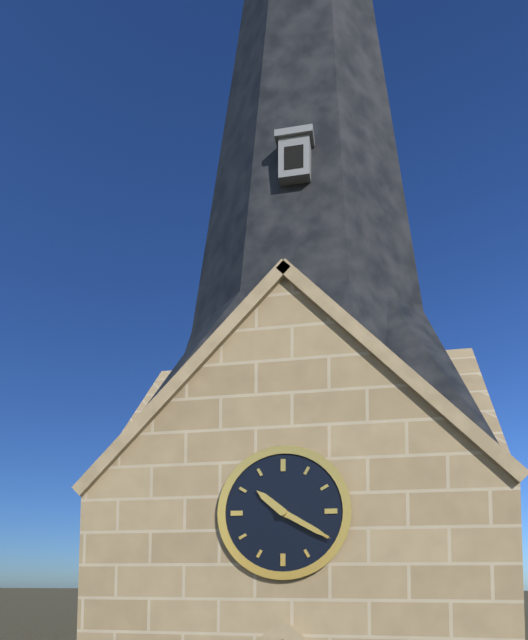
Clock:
10 h 20 min
